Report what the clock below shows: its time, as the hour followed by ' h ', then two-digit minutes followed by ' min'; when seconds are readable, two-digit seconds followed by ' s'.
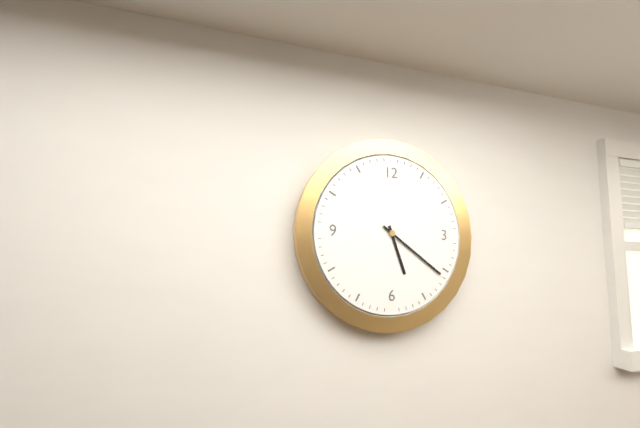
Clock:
5 h 21 min
